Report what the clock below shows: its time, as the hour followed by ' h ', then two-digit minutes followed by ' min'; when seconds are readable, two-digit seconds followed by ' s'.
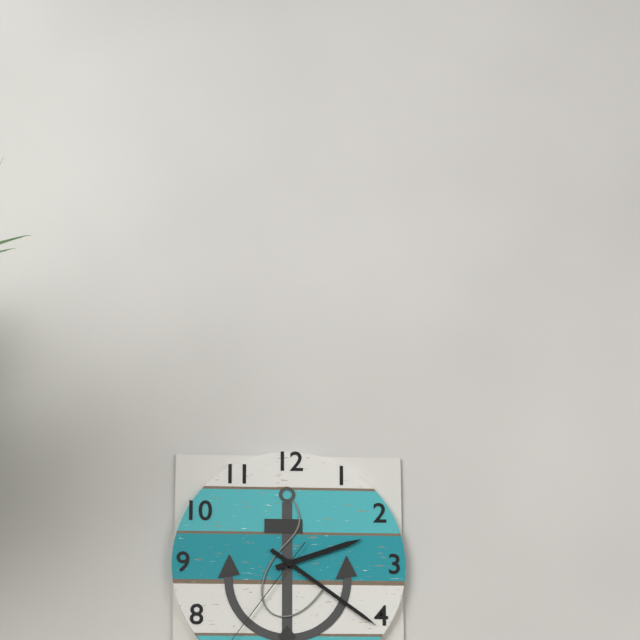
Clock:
2 h 21 min
